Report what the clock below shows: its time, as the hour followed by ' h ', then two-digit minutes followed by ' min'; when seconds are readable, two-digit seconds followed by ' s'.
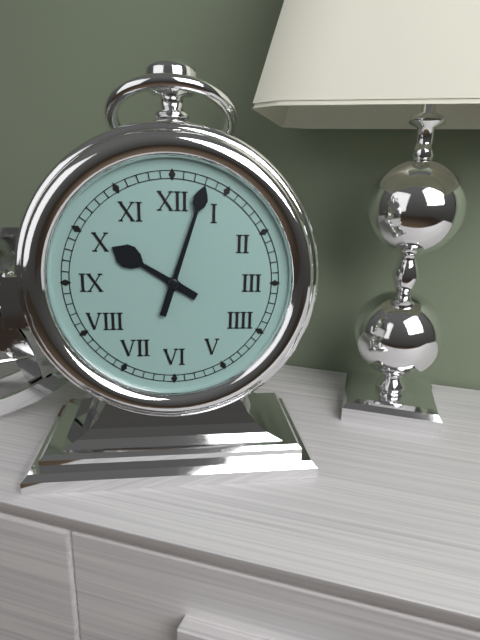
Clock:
10 h 03 min
